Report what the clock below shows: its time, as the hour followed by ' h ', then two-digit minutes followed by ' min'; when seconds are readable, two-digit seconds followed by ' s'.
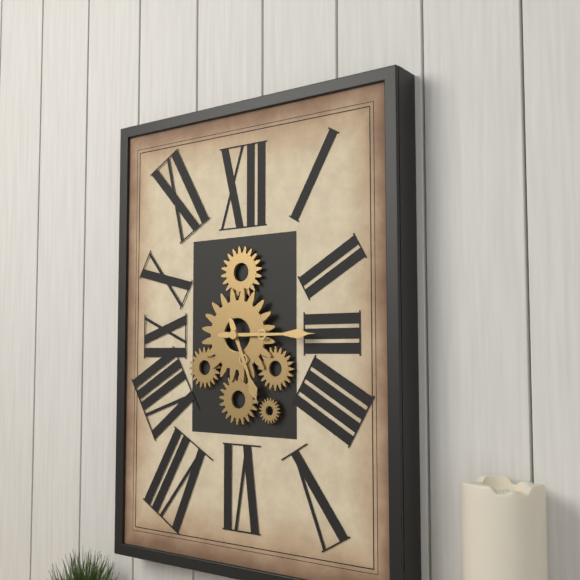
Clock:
5 h 15 min
